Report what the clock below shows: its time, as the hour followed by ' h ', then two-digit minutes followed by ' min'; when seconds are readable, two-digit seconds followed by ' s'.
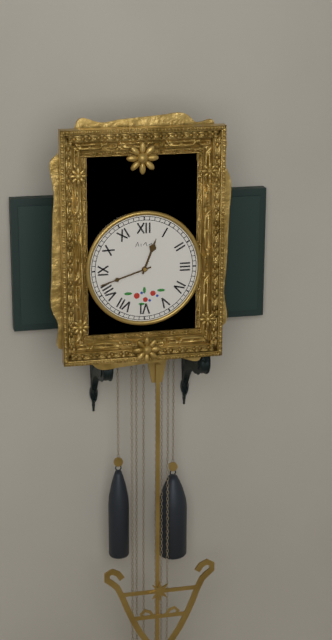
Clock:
12 h 42 min
